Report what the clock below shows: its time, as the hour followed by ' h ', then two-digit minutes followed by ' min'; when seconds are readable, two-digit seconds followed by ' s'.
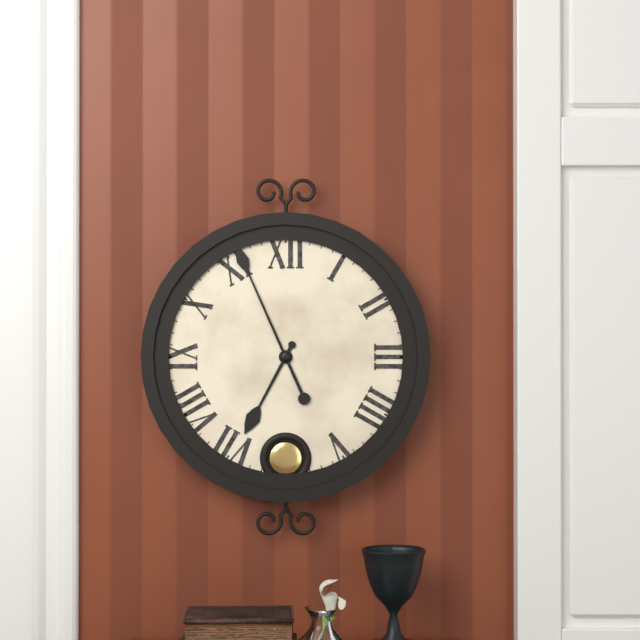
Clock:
6 h 56 min
